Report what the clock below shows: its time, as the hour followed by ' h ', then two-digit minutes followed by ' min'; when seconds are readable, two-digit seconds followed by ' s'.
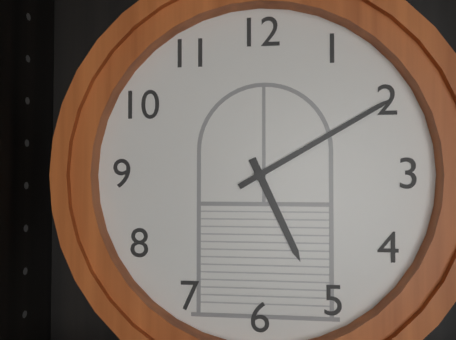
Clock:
5 h 10 min
